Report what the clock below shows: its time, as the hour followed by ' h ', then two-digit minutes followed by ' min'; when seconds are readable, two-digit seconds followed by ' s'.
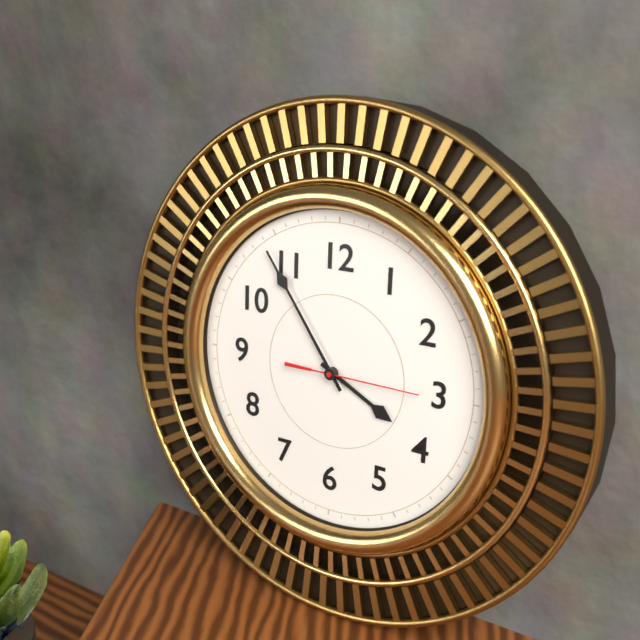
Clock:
3 h 54 min 15 s
